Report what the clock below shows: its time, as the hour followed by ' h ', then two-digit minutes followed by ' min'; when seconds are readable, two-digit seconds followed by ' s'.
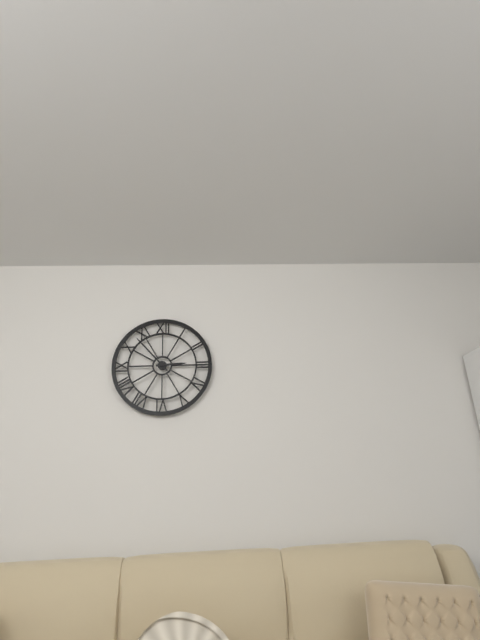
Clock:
2 h 53 min
